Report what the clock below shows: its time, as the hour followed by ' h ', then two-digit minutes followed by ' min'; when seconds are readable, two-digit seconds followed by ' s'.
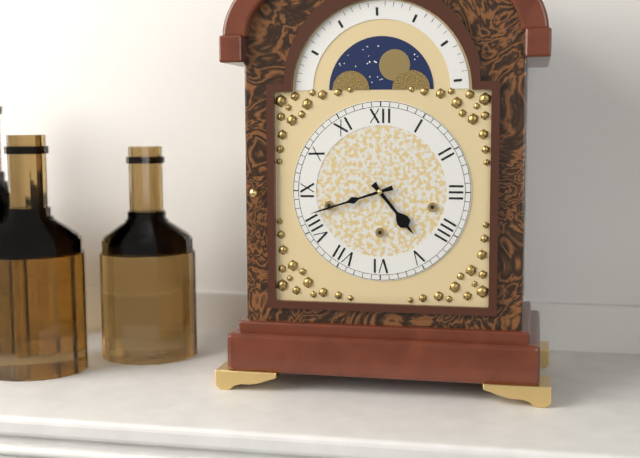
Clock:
4 h 42 min
